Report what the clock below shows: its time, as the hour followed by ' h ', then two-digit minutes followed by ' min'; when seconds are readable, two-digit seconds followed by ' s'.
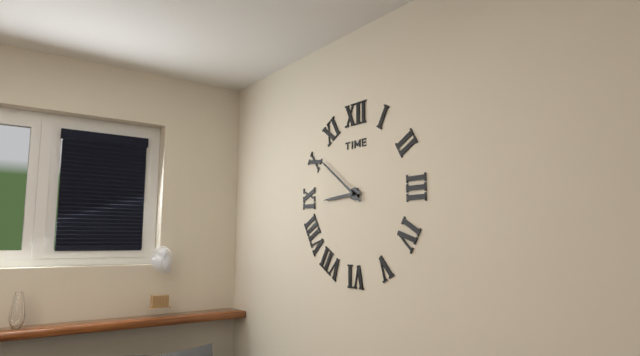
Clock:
8 h 51 min
